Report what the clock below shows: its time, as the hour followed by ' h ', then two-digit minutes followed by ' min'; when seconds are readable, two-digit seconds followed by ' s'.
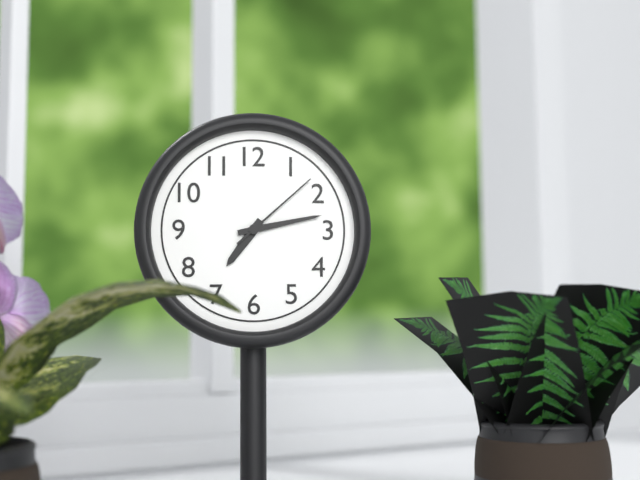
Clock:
7 h 13 min 08 s
